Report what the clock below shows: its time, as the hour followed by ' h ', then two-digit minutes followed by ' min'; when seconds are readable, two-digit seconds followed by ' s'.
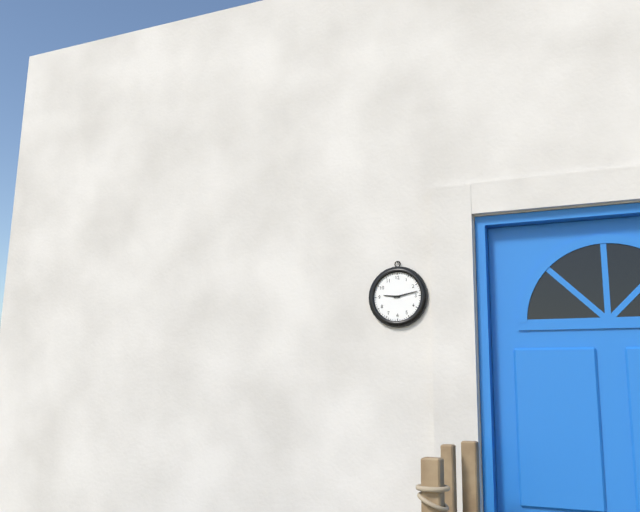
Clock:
9 h 13 min
